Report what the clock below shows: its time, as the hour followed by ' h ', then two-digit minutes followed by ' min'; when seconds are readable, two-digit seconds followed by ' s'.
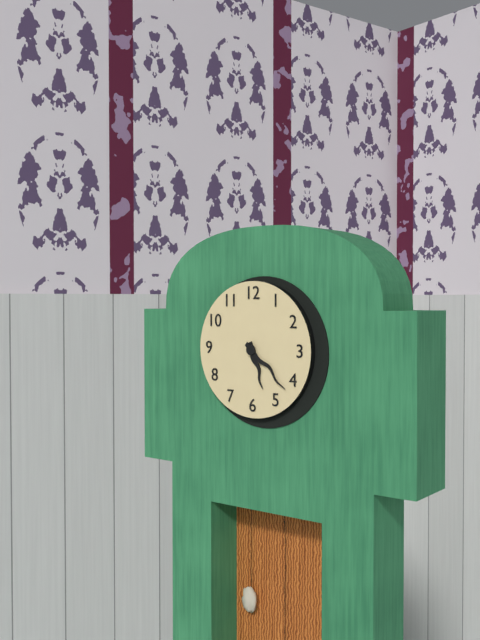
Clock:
5 h 22 min
